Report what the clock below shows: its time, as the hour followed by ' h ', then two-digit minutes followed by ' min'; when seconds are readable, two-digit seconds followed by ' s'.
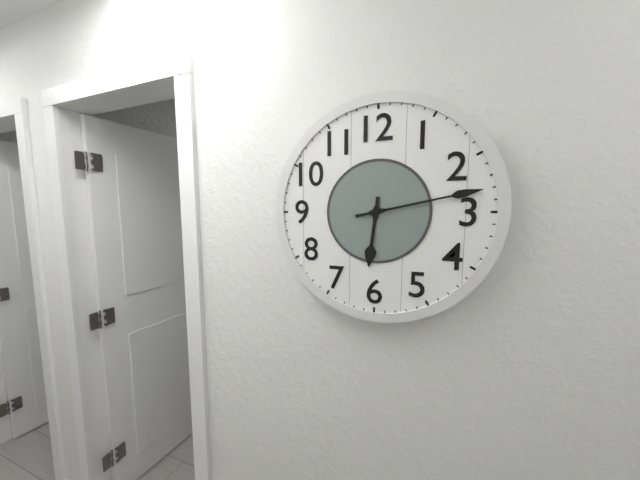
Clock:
6 h 13 min
